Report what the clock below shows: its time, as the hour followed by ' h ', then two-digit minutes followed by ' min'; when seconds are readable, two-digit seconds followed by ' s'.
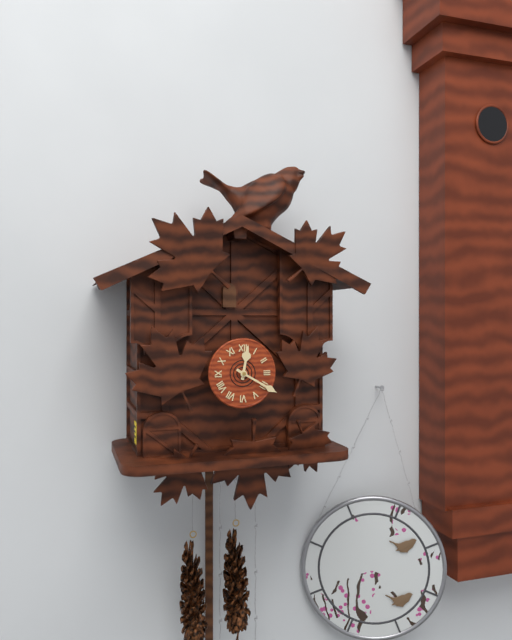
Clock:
12 h 20 min
